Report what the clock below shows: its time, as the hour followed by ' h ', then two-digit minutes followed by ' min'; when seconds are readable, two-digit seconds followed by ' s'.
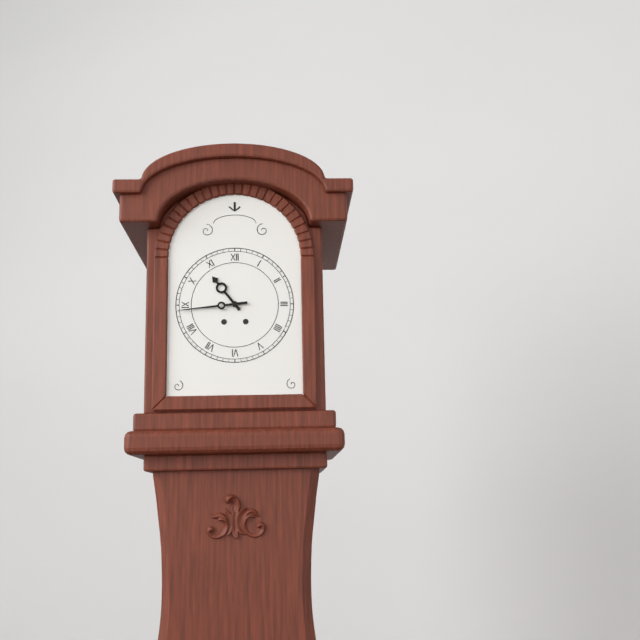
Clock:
10 h 44 min
